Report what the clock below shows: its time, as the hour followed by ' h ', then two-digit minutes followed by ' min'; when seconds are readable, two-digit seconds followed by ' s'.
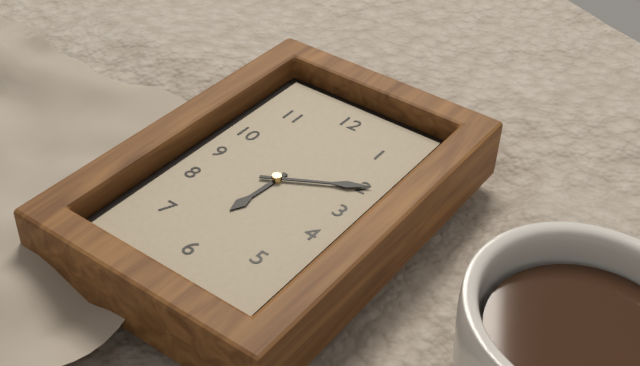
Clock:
6 h 10 min
